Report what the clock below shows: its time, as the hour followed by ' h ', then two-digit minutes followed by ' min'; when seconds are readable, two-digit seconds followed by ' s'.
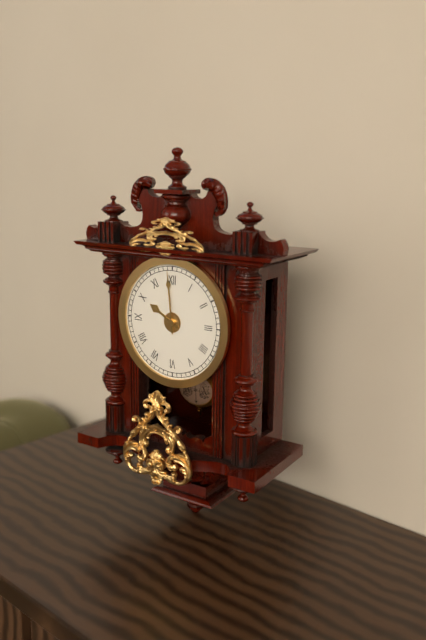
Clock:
9 h 59 min
